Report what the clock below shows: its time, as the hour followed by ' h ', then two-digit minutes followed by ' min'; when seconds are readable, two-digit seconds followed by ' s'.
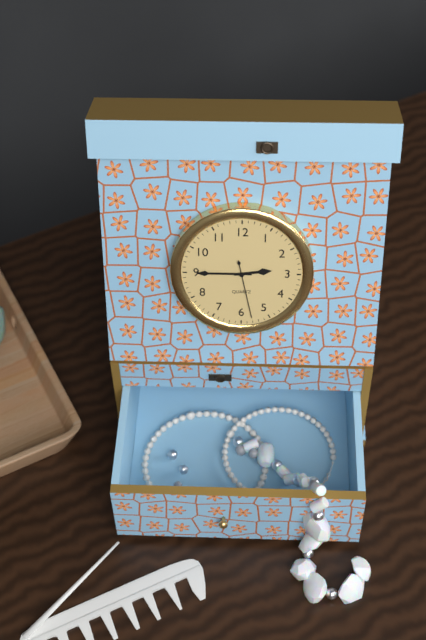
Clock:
2 h 45 min 28 s
